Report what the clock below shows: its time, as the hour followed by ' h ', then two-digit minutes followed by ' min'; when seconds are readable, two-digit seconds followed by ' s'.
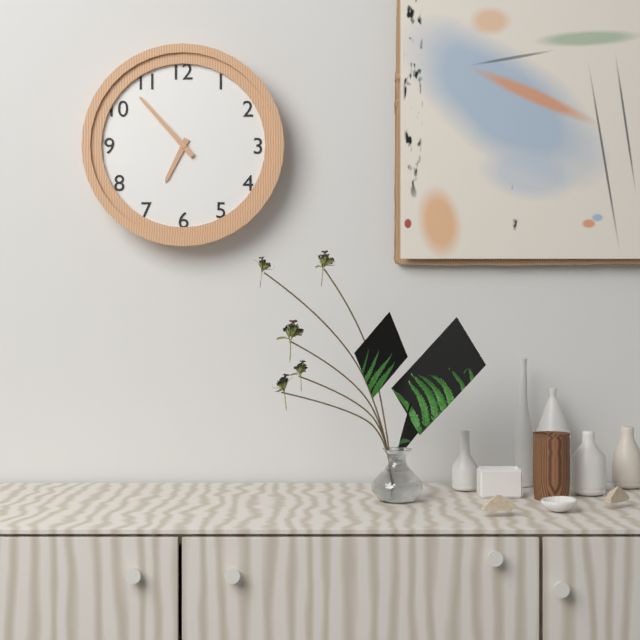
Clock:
6 h 53 min
